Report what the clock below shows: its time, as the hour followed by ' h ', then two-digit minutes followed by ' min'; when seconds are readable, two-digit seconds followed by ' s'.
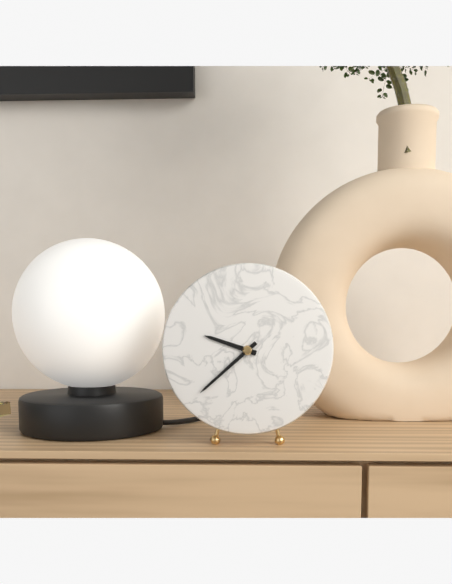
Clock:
9 h 38 min
